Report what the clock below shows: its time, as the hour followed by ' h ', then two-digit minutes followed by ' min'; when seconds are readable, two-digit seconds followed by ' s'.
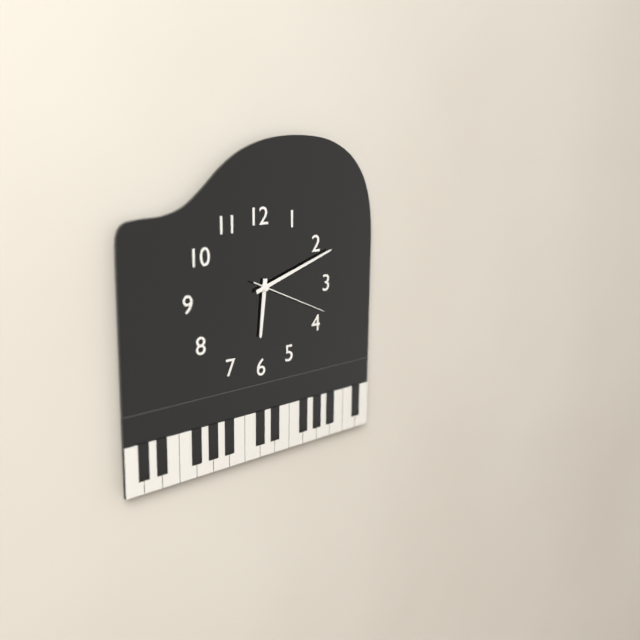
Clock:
6 h 12 min 19 s
